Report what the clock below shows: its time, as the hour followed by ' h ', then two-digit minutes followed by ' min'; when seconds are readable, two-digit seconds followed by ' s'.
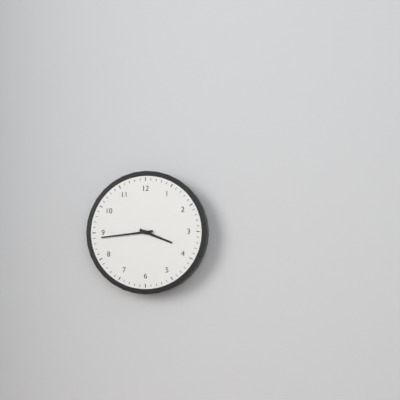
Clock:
3 h 44 min
